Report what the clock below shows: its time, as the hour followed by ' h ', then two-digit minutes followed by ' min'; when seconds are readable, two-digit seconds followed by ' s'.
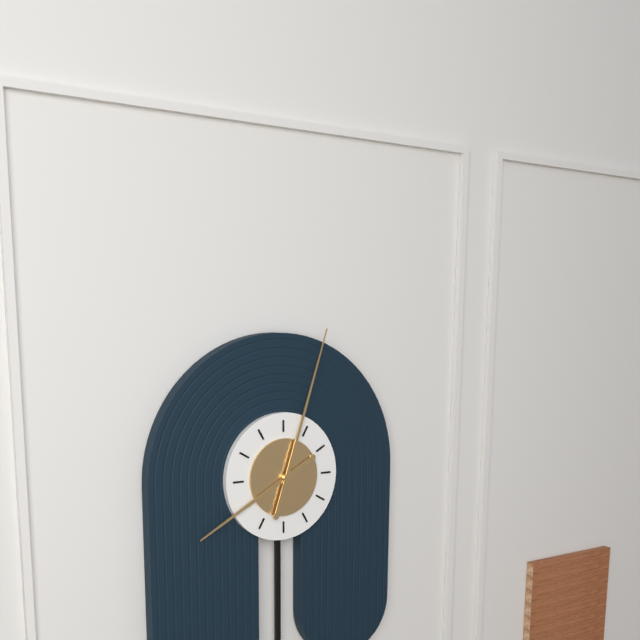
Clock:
8 h 03 min
